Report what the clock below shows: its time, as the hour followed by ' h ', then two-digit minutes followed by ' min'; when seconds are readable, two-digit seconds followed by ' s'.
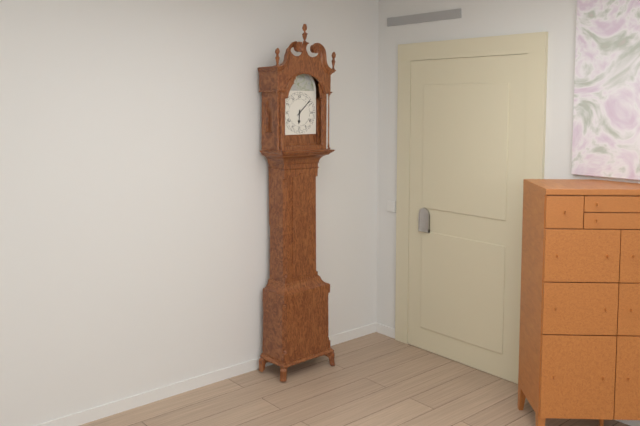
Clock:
6 h 08 min
